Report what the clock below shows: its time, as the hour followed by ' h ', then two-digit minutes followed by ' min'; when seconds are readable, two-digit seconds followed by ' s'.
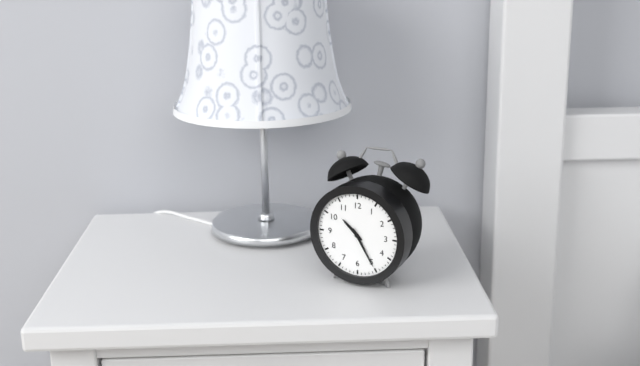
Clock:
10 h 25 min
